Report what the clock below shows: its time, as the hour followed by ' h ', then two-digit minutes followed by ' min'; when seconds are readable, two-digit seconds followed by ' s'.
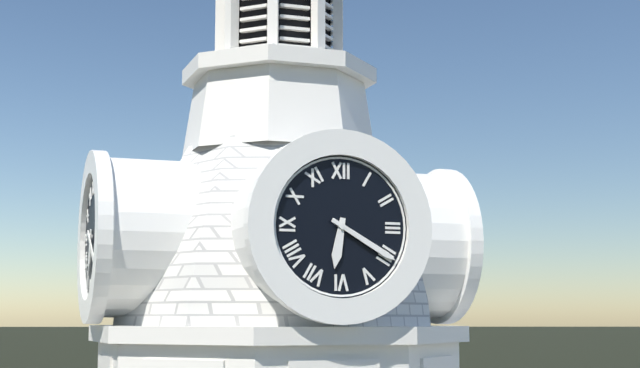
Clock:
6 h 20 min
